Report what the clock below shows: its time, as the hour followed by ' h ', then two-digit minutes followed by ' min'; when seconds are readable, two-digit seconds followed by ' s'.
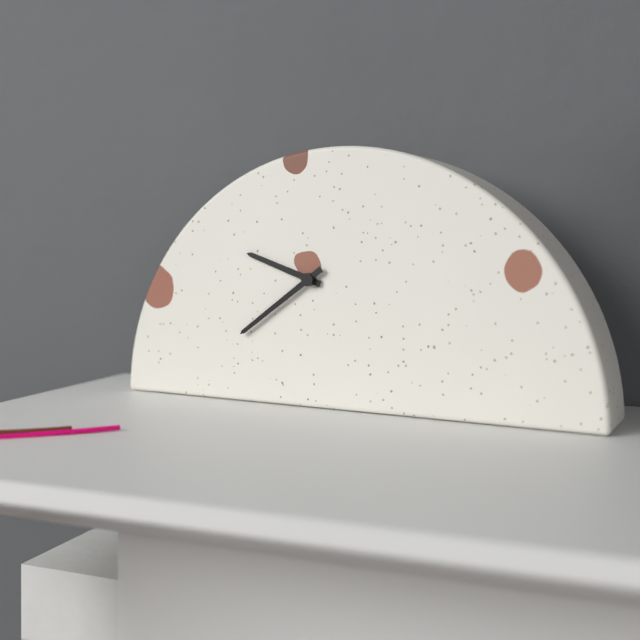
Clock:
9 h 39 min
